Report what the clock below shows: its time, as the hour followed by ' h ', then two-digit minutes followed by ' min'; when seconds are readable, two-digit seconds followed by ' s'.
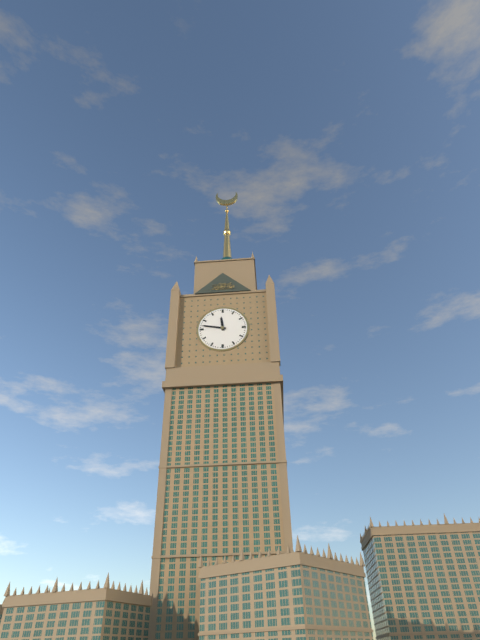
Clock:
11 h 47 min
